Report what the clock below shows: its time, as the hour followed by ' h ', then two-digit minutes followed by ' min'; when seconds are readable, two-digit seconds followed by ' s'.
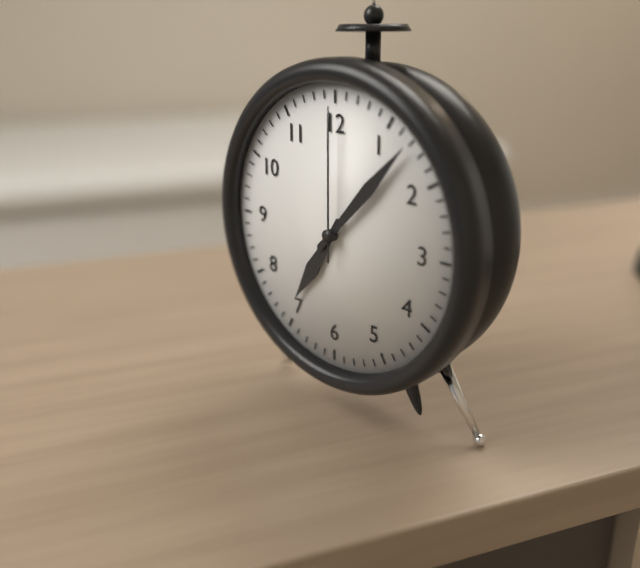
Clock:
7 h 07 min 00 s
